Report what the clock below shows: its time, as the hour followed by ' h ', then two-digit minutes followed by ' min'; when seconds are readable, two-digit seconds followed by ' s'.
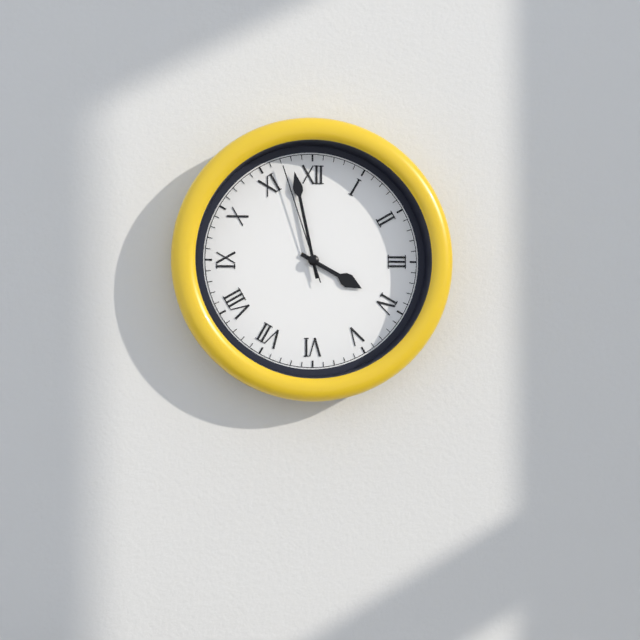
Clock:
3 h 58 min 57 s
